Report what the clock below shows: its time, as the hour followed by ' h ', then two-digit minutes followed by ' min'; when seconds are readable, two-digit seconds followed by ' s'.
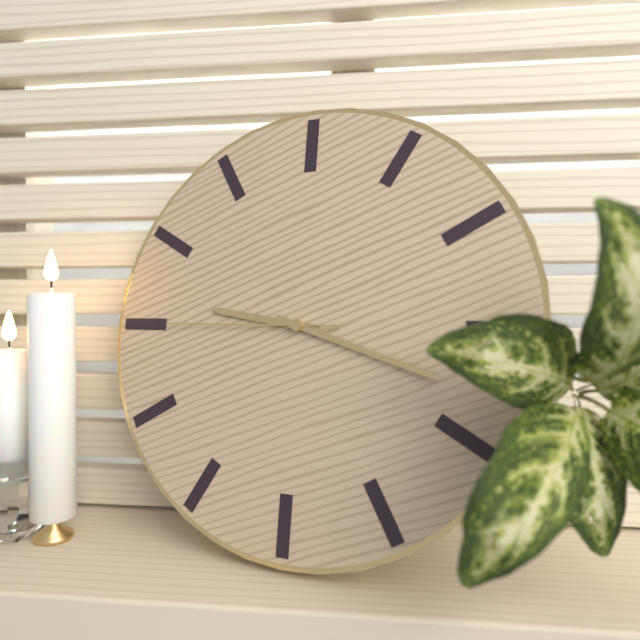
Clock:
9 h 18 min 45 s
